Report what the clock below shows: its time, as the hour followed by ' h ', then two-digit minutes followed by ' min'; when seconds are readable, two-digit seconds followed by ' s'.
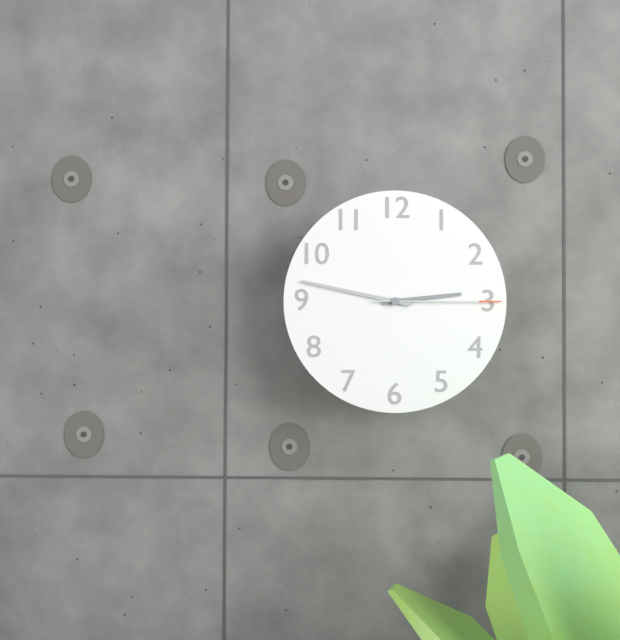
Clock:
2 h 47 min 15 s
